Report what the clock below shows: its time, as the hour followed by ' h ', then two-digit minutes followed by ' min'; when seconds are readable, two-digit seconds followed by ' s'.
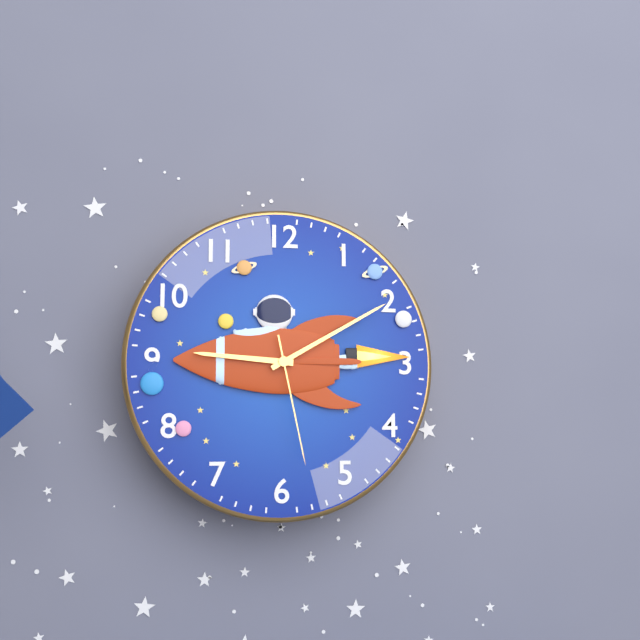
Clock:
9 h 10 min 28 s
